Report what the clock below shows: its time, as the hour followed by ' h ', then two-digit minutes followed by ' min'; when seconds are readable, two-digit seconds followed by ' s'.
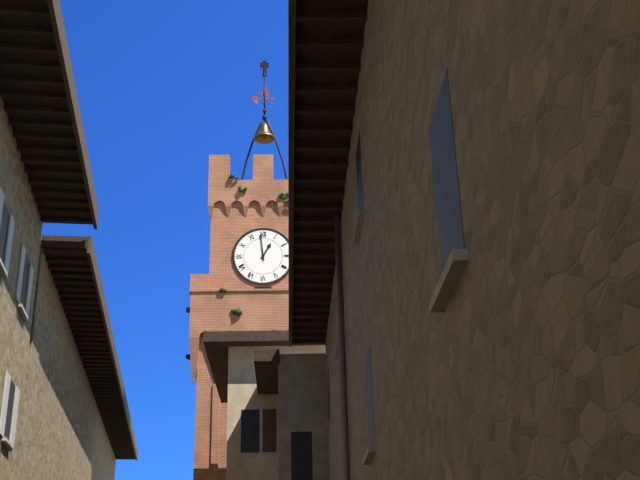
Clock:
12 h 59 min
